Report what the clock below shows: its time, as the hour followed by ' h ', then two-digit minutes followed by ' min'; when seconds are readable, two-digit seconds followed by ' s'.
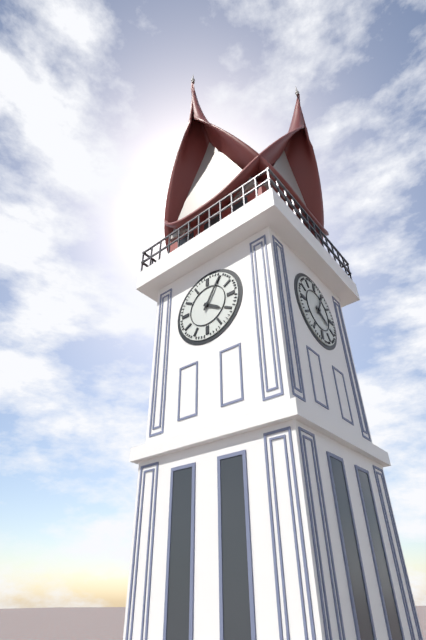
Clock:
4 h 05 min
